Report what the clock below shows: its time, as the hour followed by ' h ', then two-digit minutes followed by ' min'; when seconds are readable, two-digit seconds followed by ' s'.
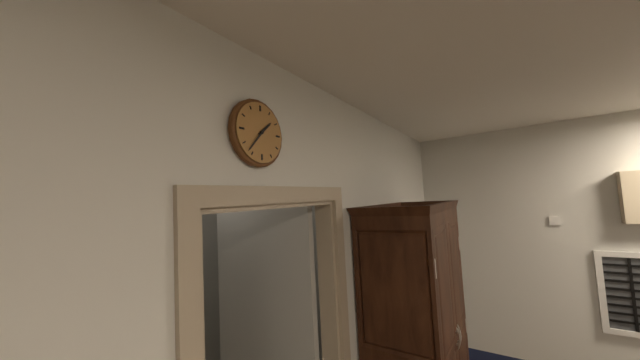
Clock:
1 h 37 min
